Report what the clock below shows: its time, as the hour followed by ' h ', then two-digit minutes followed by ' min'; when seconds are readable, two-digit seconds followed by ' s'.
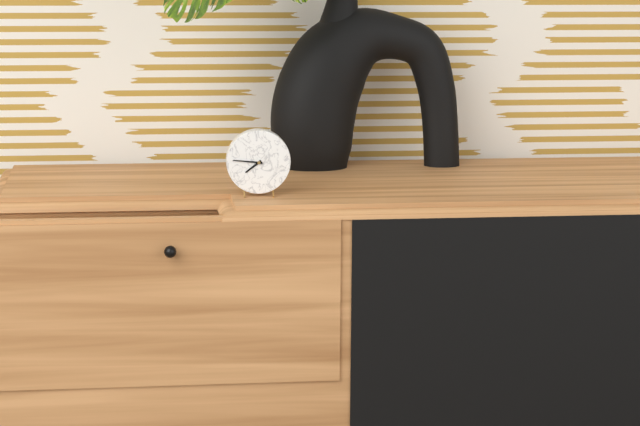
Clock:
7 h 46 min
